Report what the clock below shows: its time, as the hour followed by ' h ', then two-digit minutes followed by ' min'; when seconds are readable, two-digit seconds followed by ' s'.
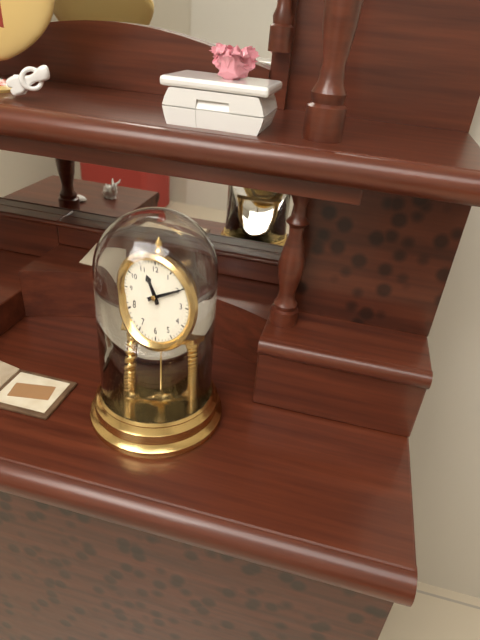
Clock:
11 h 10 min
